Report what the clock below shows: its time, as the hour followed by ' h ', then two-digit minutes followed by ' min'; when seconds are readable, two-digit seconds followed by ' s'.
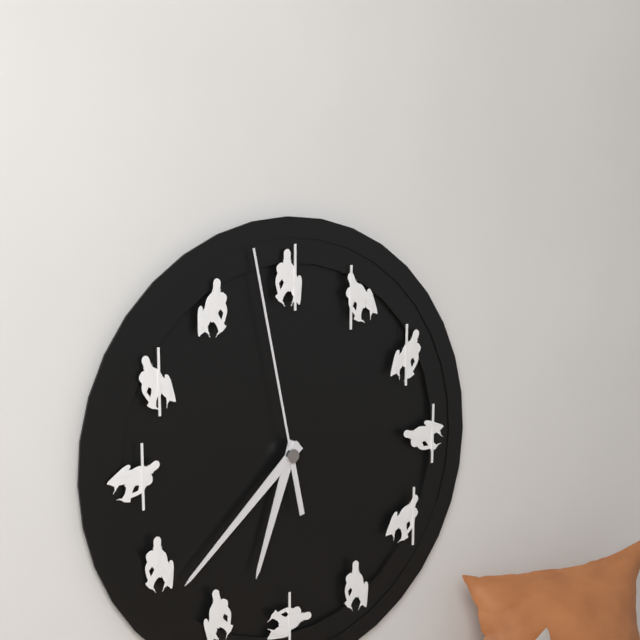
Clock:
6 h 38 min 58 s
